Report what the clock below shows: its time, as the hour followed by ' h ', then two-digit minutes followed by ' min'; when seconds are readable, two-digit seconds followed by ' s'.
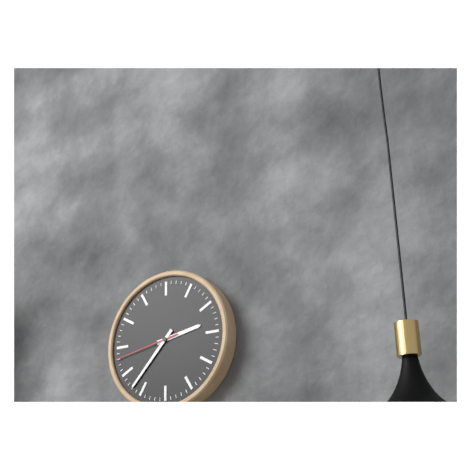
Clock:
2 h 37 min 43 s
